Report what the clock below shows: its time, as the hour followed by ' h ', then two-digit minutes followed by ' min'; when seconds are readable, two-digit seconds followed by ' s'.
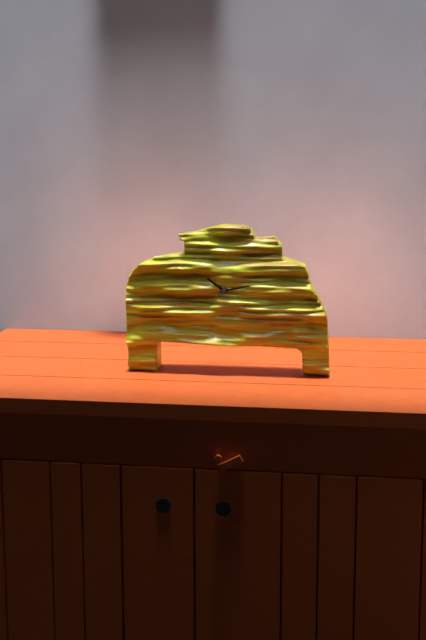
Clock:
10 h 13 min
